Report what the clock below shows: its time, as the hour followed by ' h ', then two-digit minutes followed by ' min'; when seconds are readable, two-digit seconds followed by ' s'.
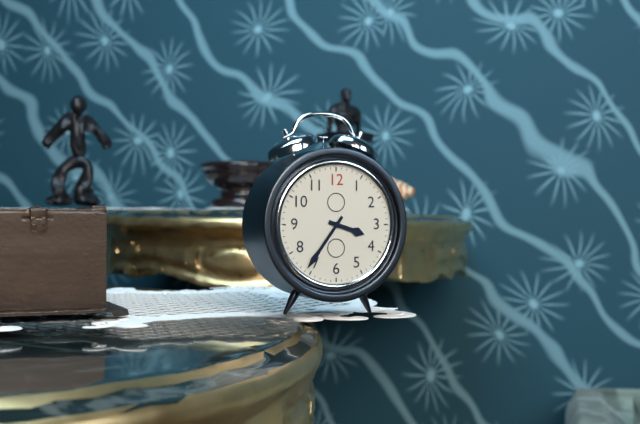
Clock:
3 h 36 min
